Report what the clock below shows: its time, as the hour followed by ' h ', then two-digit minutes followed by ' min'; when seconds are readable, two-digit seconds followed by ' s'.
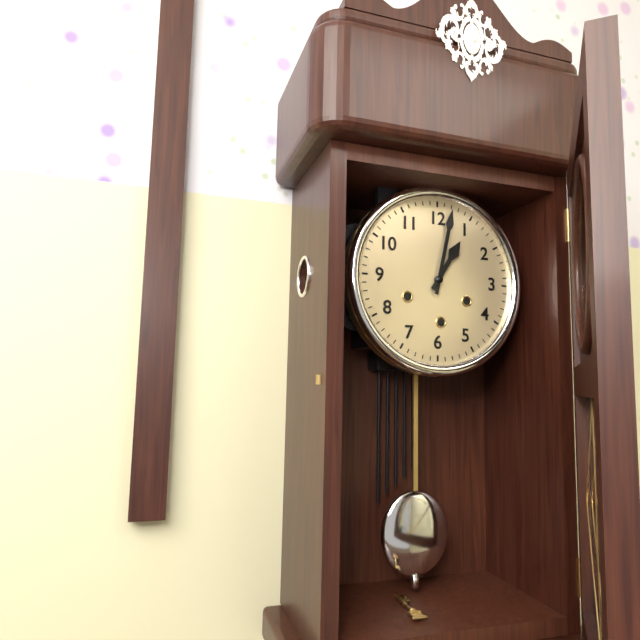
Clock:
1 h 02 min
